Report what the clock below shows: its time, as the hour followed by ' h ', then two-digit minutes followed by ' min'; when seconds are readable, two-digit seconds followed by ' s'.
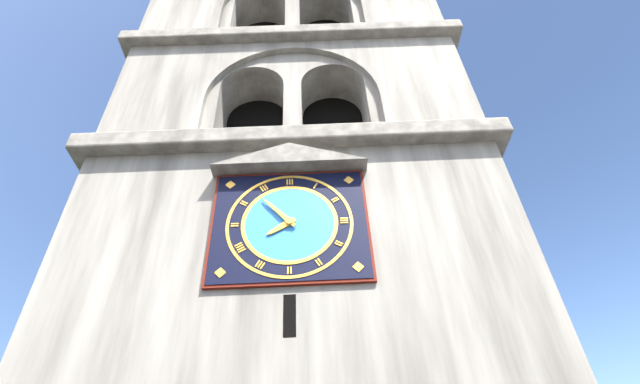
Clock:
7 h 53 min
